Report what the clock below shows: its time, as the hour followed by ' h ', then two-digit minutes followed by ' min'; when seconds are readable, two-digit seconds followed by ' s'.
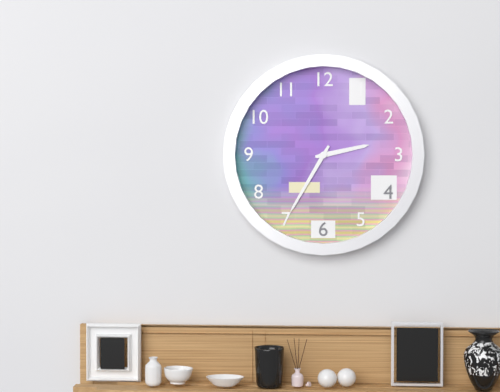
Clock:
2 h 35 min
